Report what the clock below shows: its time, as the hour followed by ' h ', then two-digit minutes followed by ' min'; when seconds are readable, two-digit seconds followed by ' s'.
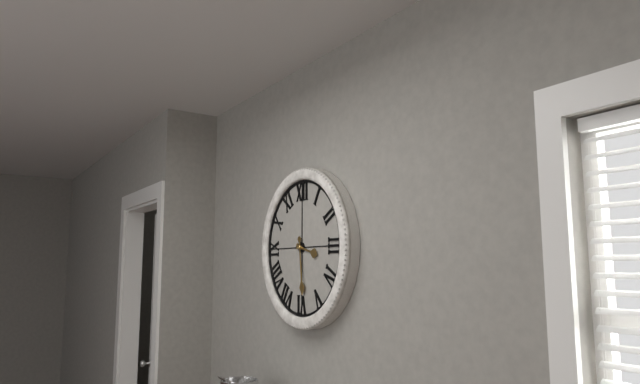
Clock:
3 h 29 min
